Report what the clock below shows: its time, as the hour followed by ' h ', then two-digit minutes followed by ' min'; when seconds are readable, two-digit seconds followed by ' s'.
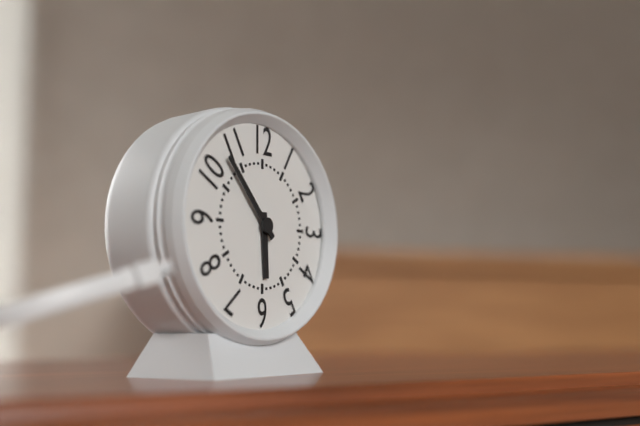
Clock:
5 h 53 min
